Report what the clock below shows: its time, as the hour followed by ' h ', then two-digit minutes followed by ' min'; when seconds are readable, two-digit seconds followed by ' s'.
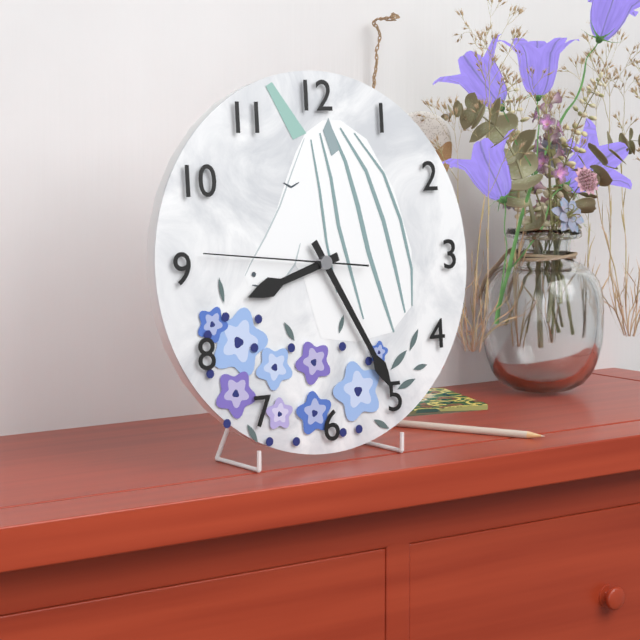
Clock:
8 h 25 min 46 s
